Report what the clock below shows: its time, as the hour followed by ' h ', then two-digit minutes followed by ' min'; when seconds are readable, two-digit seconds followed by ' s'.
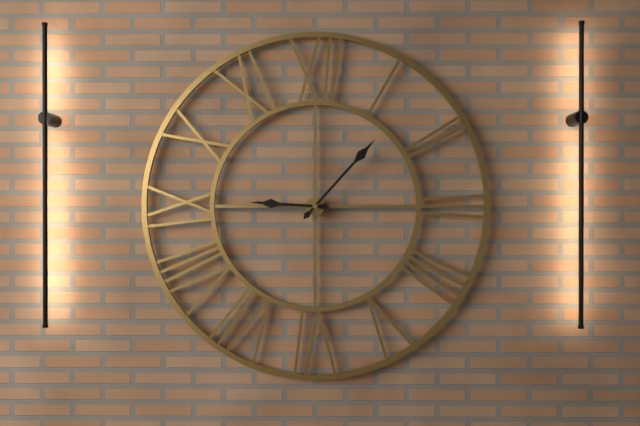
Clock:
9 h 07 min
